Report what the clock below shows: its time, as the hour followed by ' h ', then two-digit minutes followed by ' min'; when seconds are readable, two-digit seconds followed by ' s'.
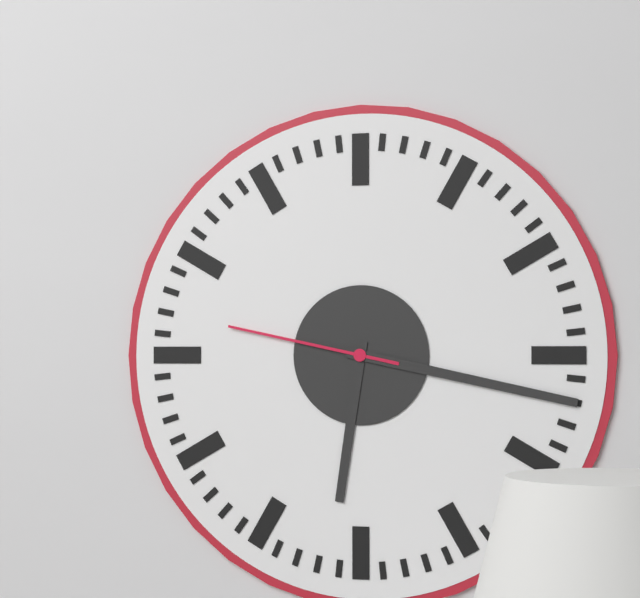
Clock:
6 h 17 min 47 s
